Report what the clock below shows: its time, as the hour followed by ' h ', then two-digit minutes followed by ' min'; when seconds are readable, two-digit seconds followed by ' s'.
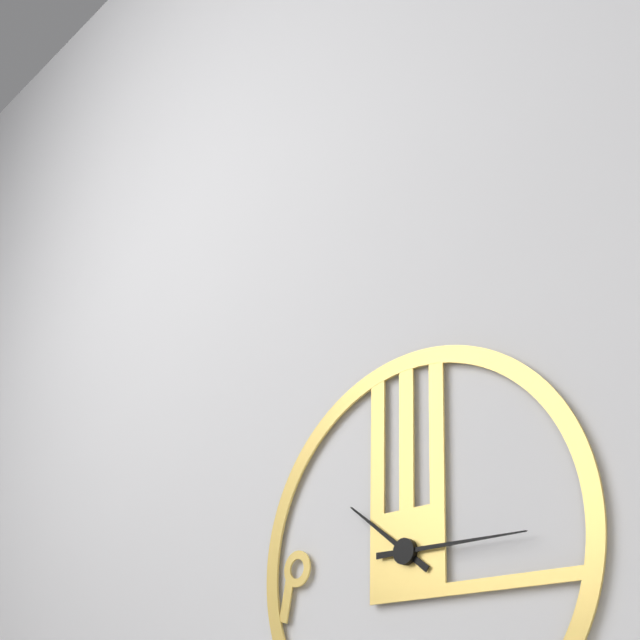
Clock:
10 h 15 min
